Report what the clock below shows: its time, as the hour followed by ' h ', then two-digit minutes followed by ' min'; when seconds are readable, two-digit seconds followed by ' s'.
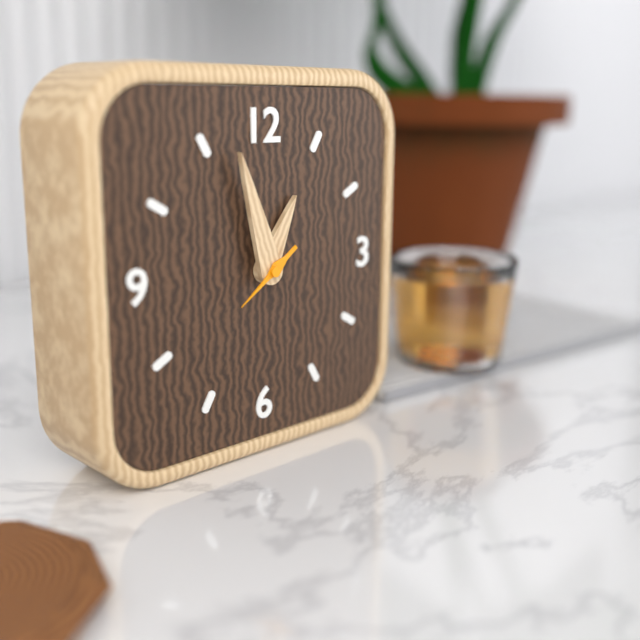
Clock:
12 h 57 min 39 s
